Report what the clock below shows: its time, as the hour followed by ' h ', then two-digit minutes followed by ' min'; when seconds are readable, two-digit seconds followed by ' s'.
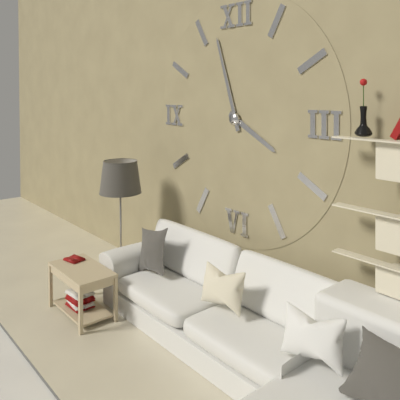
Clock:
3 h 57 min
